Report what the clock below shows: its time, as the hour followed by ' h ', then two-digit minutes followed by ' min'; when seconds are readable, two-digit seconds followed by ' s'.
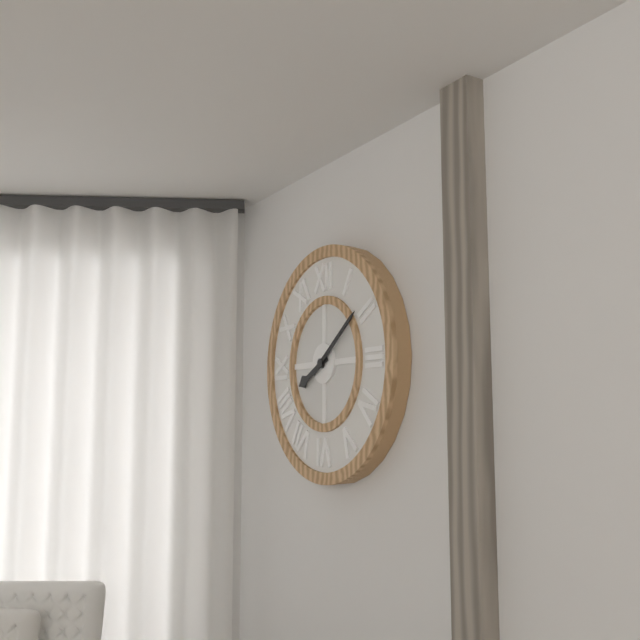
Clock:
8 h 09 min
